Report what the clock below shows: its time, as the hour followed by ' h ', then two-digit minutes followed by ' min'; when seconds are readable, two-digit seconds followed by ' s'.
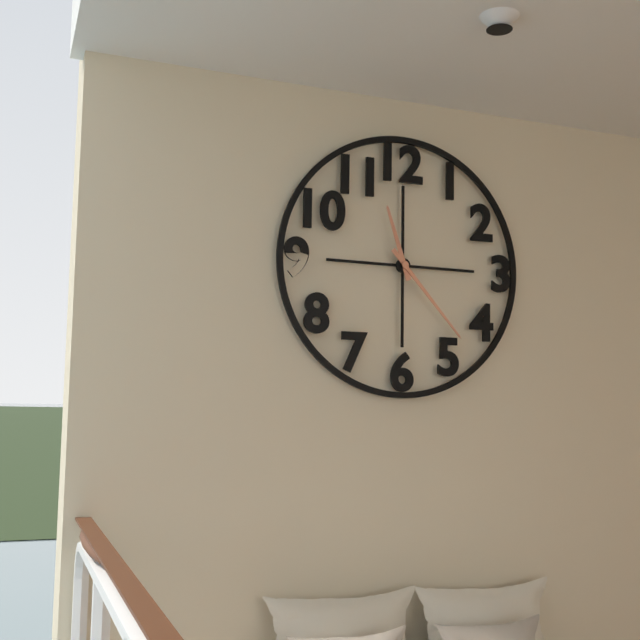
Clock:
11 h 23 min
